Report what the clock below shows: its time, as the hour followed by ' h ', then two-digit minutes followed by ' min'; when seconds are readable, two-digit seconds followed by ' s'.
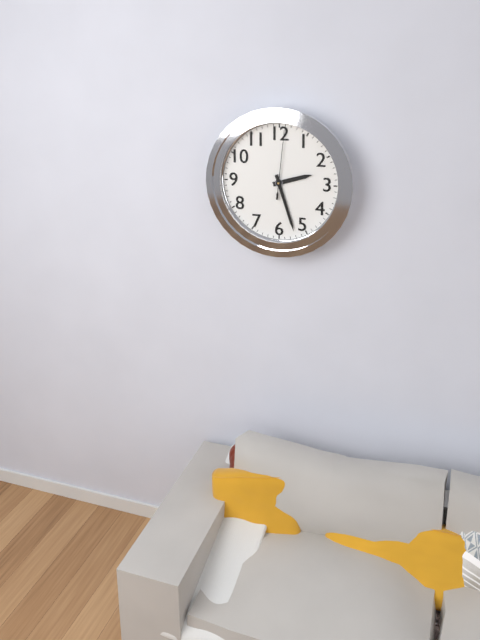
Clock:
2 h 27 min 01 s
